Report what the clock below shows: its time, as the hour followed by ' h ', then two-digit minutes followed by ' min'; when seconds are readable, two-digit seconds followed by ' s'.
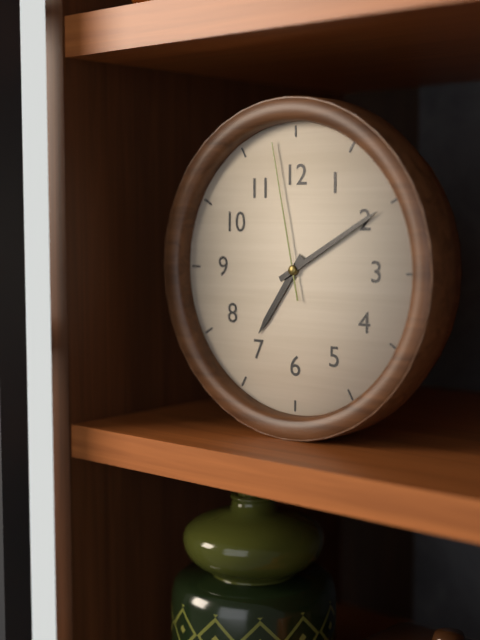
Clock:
7 h 10 min 58 s
